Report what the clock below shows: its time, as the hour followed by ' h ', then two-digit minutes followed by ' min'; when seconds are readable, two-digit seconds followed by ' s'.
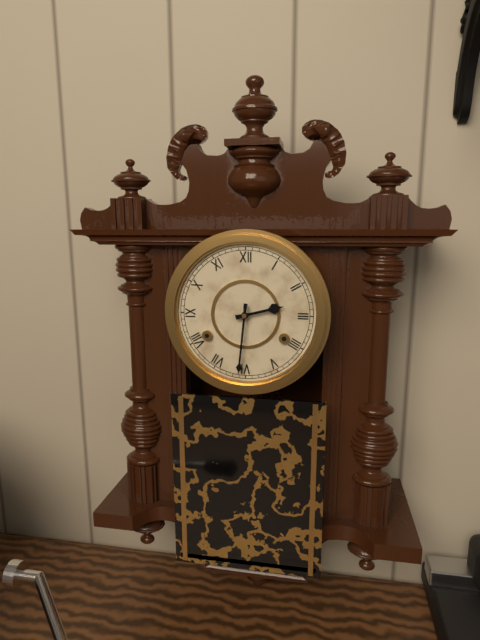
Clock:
2 h 31 min
